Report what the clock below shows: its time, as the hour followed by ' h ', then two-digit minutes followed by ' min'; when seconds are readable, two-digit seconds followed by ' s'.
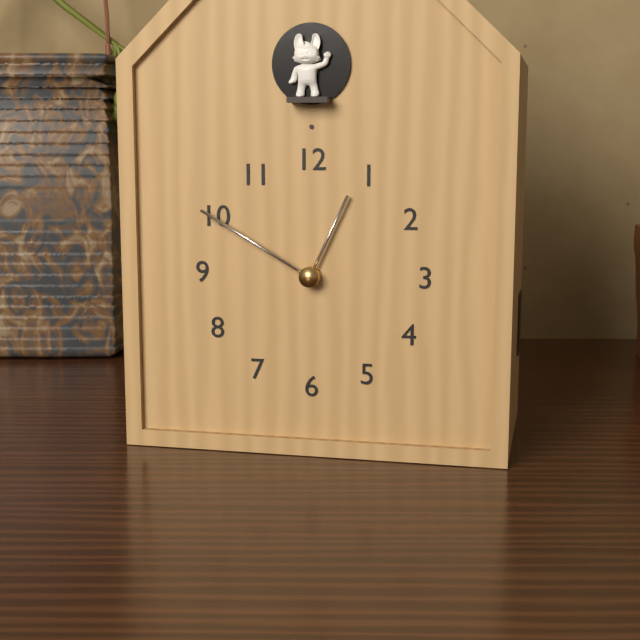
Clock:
12 h 50 min
